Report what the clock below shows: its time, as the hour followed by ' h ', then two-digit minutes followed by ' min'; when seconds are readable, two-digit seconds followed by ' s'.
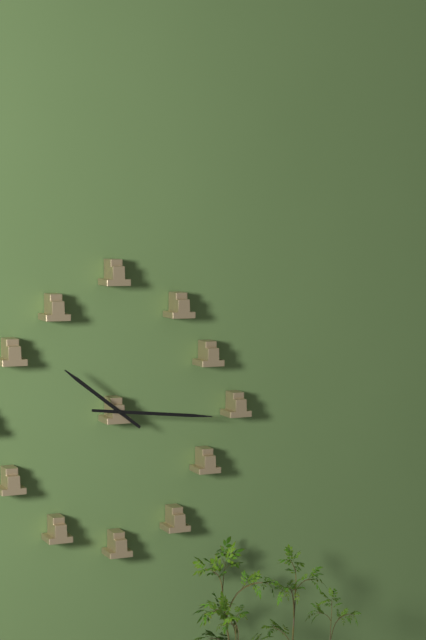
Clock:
10 h 16 min
